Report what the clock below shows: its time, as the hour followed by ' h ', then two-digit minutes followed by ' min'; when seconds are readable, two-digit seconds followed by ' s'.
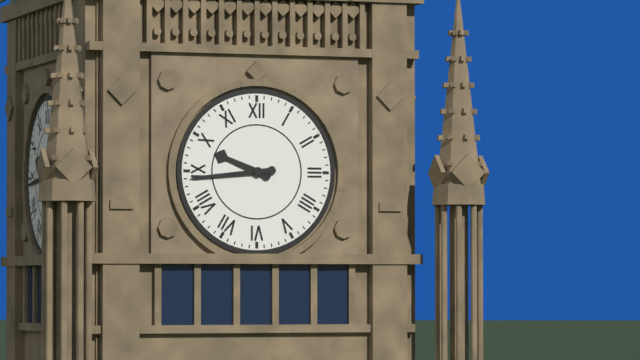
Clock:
9 h 44 min
